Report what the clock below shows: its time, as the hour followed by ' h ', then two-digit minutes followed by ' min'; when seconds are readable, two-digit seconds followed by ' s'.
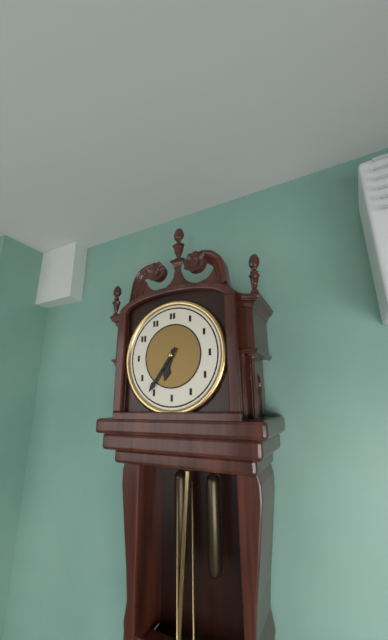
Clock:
6 h 36 min
